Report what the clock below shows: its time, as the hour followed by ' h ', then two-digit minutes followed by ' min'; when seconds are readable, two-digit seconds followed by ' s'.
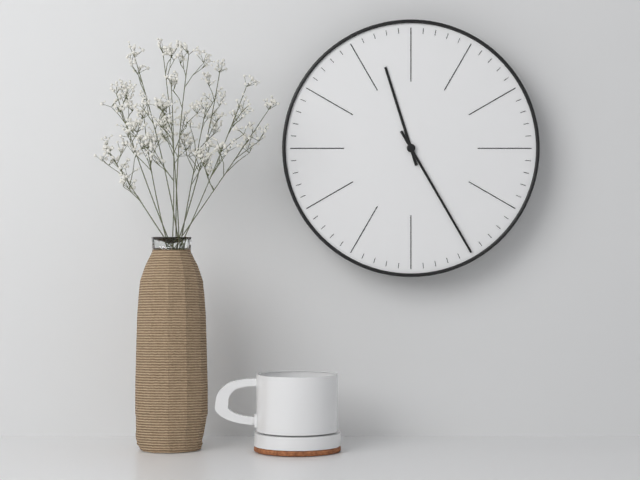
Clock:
11 h 25 min
